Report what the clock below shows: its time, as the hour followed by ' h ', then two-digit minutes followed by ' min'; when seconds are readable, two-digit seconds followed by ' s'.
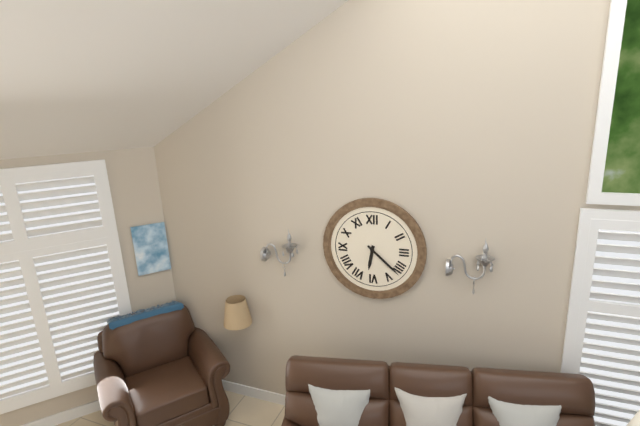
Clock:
6 h 22 min
